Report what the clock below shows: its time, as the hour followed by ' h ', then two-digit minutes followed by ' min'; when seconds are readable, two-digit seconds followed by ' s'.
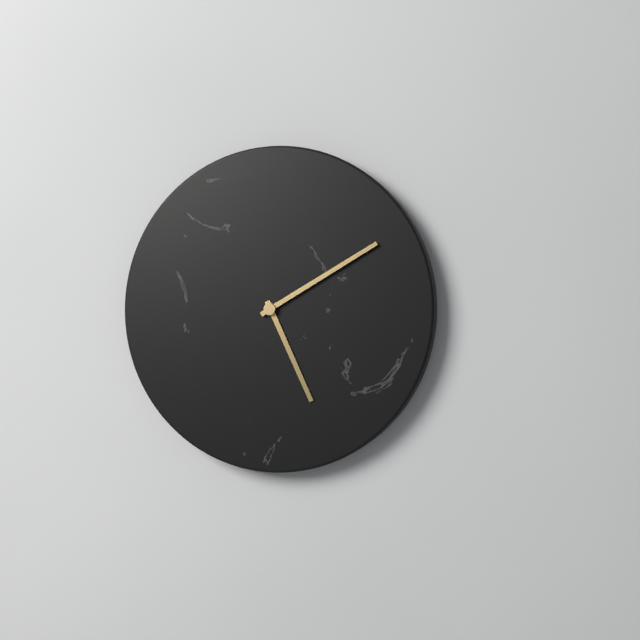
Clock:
5 h 10 min
